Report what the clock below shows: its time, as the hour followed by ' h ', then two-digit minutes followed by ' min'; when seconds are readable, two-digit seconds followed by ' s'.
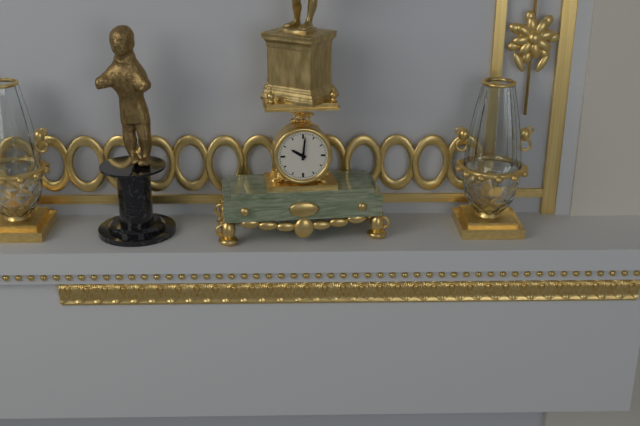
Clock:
10 h 01 min
